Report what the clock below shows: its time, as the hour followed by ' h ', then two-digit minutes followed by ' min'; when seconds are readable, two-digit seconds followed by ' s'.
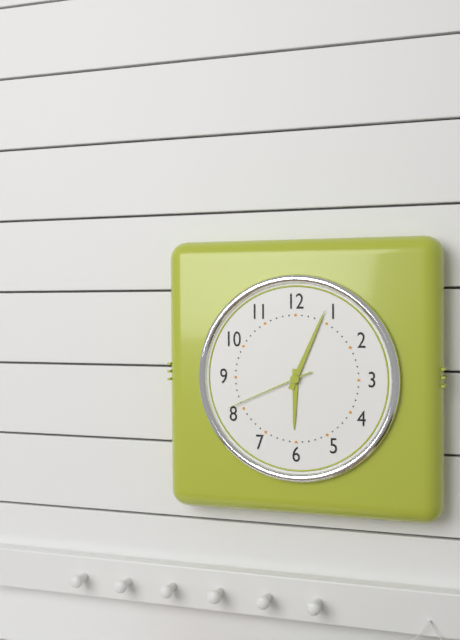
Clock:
6 h 04 min 41 s
